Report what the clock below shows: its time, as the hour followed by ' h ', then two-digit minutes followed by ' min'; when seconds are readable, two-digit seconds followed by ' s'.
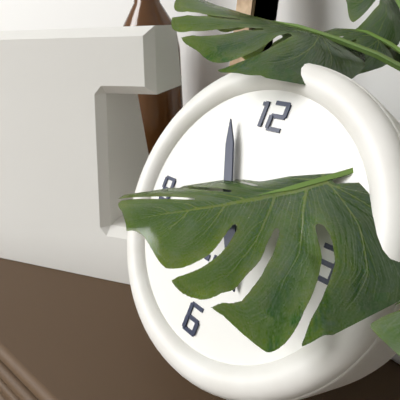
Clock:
4 h 56 min
